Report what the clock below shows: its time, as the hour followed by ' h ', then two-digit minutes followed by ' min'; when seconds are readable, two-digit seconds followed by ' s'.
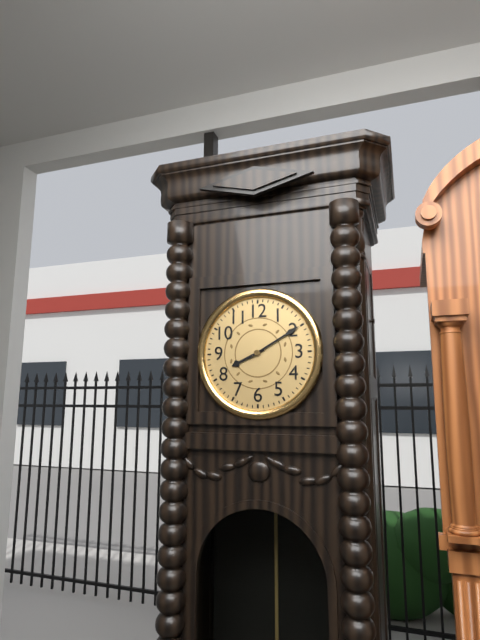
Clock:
8 h 10 min
